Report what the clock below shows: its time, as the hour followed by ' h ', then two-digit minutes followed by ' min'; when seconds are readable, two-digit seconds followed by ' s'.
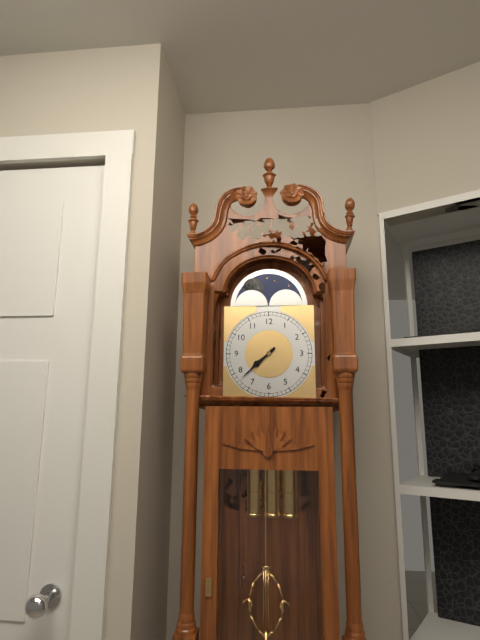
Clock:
7 h 38 min
